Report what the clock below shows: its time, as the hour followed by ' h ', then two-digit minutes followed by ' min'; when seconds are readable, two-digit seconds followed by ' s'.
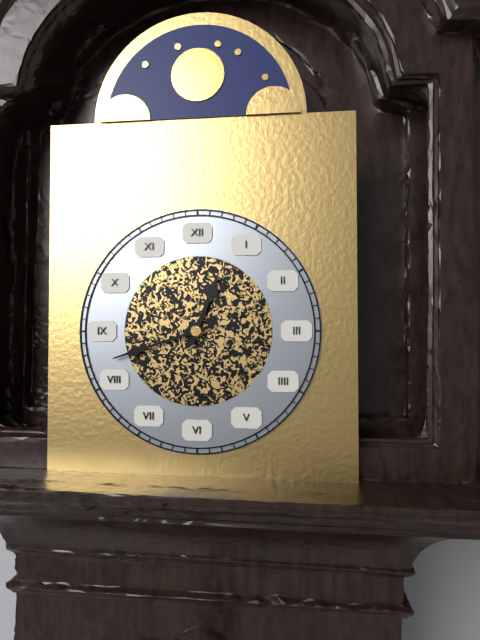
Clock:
12 h 42 min
